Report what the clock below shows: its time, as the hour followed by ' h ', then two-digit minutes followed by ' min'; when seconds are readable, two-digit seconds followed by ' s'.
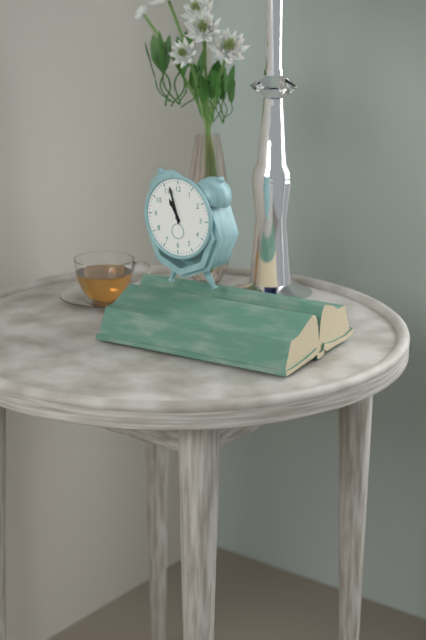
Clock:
10 h 57 min
